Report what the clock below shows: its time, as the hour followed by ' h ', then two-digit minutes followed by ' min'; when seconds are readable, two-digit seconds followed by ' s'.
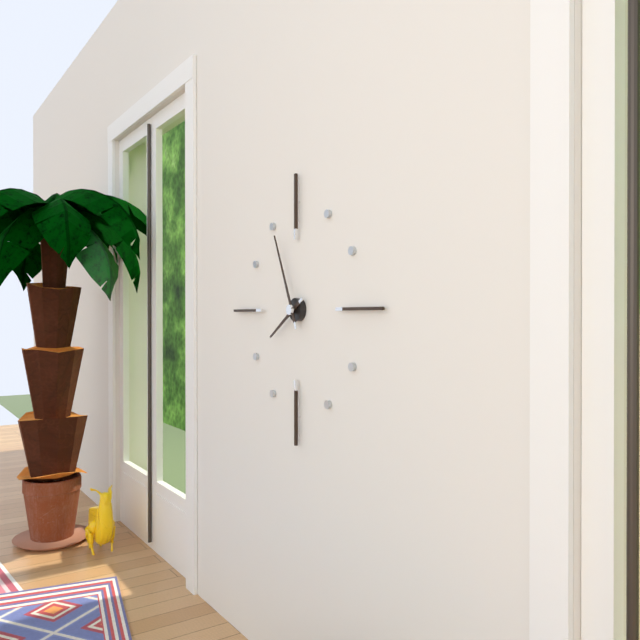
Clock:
7 h 56 min
